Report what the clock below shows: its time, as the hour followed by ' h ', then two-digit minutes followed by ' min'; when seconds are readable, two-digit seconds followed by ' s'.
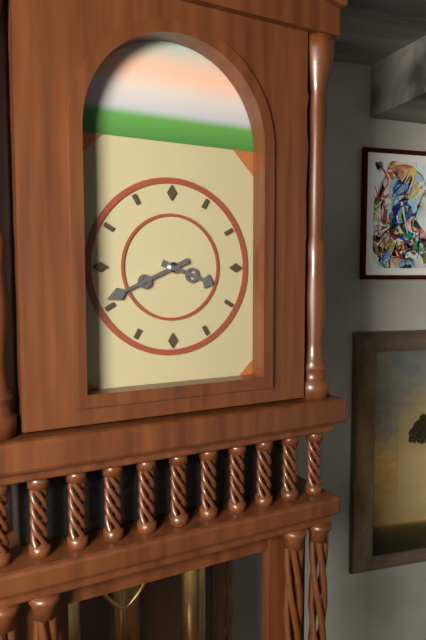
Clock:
3 h 41 min
